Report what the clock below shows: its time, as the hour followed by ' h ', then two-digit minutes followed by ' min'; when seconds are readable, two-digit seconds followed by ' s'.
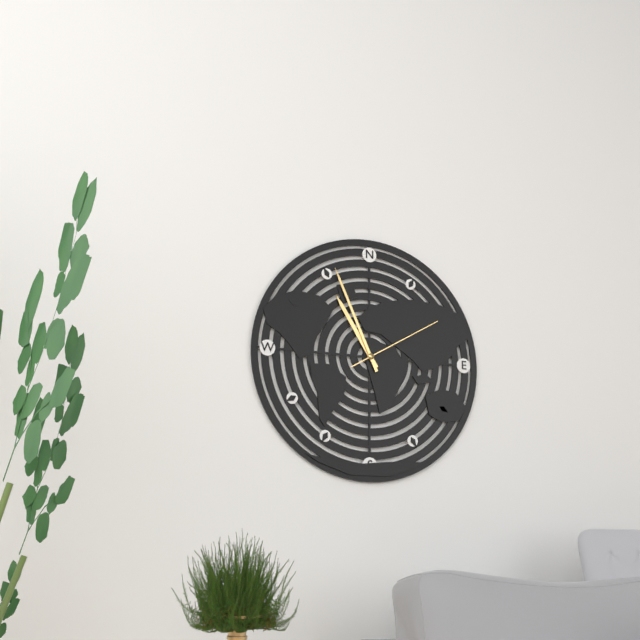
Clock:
10 h 56 min 10 s
